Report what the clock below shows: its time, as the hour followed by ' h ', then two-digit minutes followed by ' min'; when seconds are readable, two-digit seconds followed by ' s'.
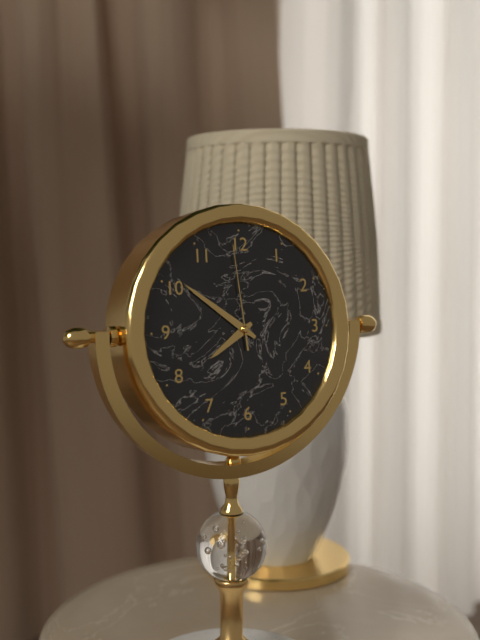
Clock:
7 h 51 min 59 s
